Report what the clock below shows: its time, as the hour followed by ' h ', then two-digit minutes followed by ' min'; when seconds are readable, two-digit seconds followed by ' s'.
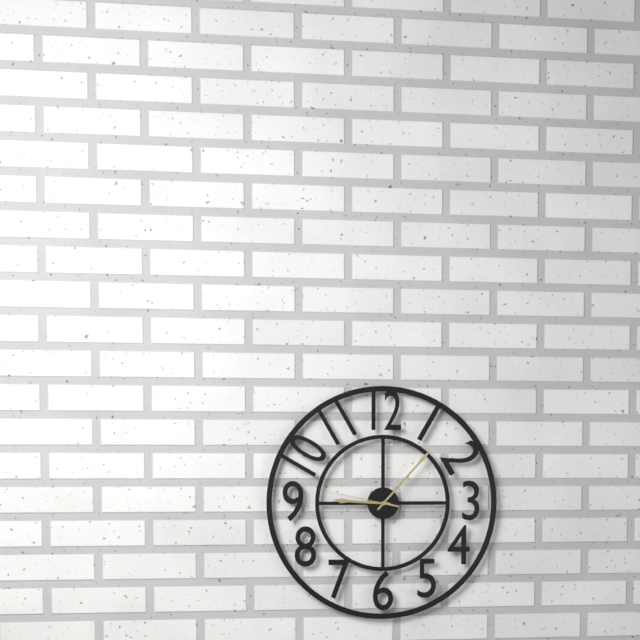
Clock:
9 h 07 min 47 s
